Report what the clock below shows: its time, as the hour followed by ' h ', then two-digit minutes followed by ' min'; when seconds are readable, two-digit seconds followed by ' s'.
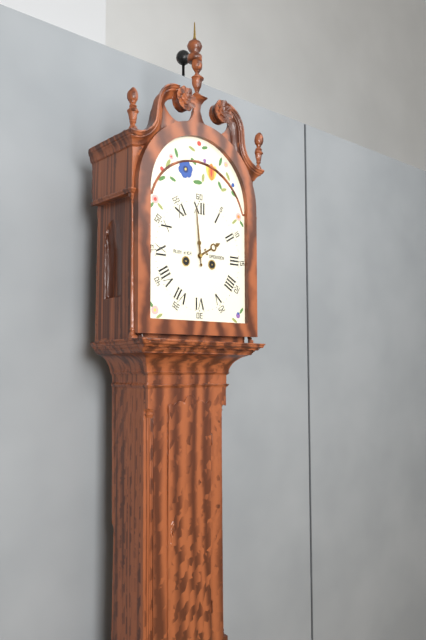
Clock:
1 h 59 min
